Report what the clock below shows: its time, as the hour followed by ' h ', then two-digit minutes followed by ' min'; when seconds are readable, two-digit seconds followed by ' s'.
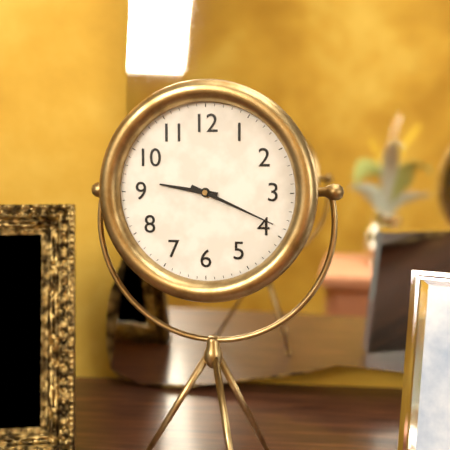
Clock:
9 h 19 min
